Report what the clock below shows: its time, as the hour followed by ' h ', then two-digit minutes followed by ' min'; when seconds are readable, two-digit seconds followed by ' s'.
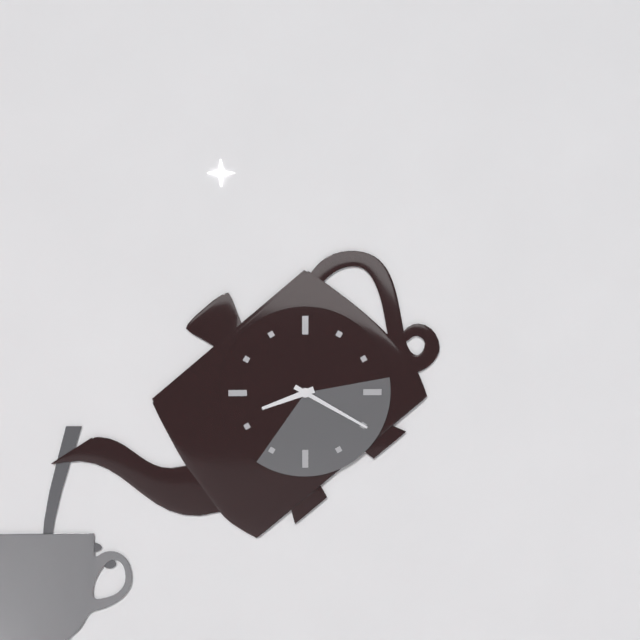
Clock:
8 h 20 min
